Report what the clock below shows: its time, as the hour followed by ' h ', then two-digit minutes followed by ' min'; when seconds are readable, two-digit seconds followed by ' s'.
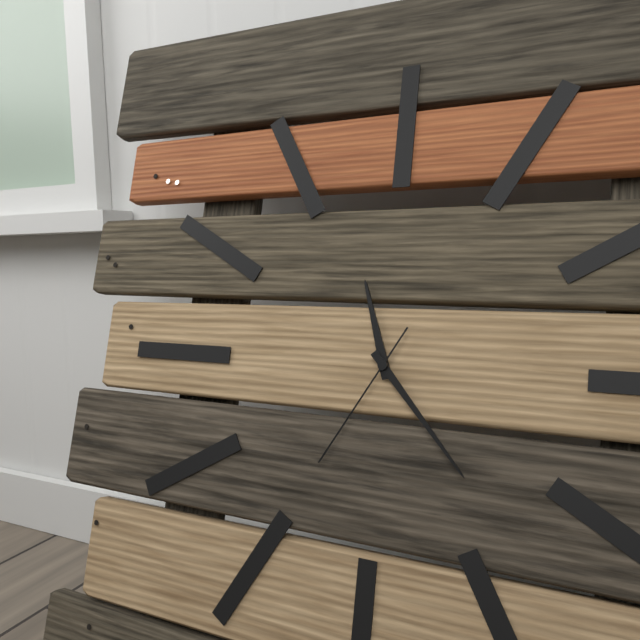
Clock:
11 h 23 min 35 s
